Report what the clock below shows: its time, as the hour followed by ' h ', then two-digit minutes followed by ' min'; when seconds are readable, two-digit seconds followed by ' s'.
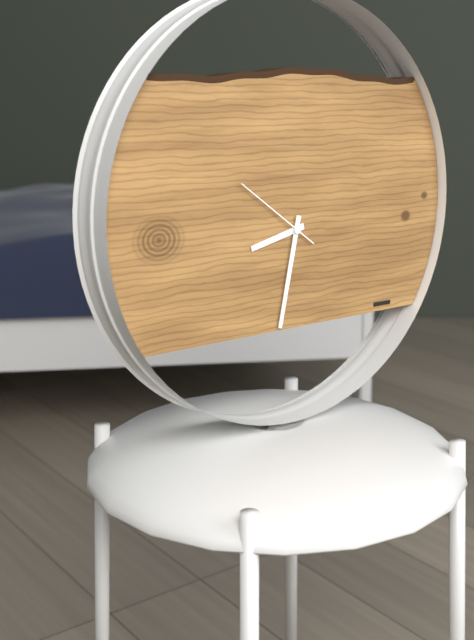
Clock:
8 h 32 min 51 s
